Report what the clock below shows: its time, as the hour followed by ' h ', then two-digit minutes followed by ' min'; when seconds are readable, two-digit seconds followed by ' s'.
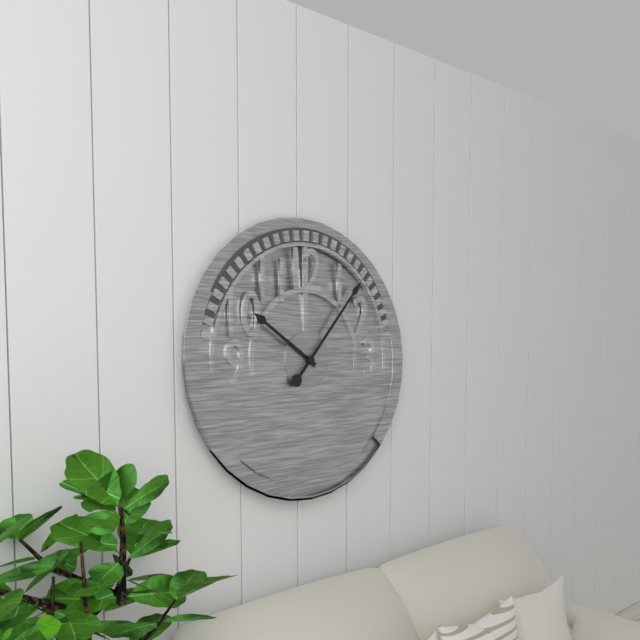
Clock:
10 h 07 min
